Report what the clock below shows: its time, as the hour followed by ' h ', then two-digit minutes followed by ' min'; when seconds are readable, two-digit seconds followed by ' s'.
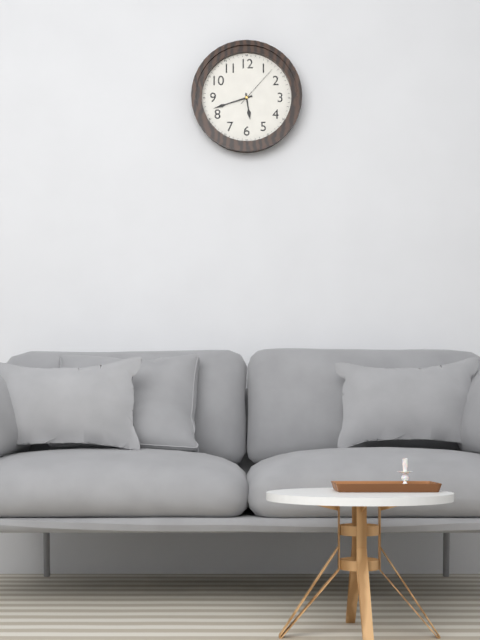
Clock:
5 h 42 min
